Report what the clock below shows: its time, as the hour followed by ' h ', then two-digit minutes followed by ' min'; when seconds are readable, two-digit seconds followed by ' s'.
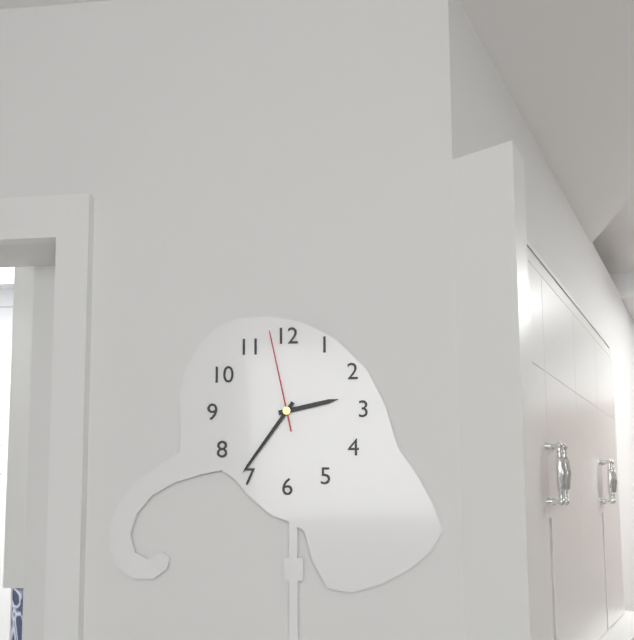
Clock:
2 h 36 min 58 s
